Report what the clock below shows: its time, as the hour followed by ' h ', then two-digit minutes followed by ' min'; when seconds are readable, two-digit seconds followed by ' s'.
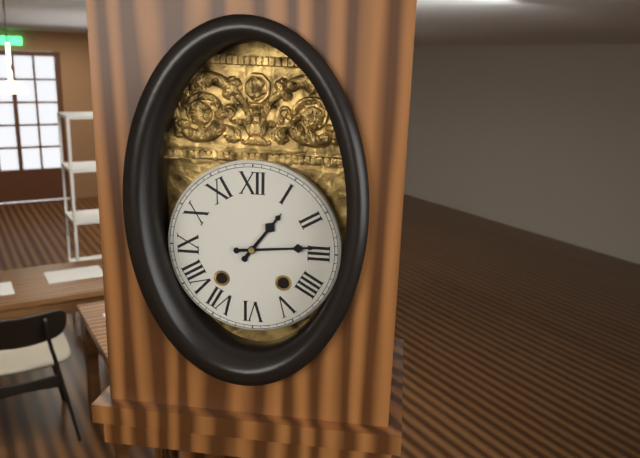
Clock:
1 h 14 min
